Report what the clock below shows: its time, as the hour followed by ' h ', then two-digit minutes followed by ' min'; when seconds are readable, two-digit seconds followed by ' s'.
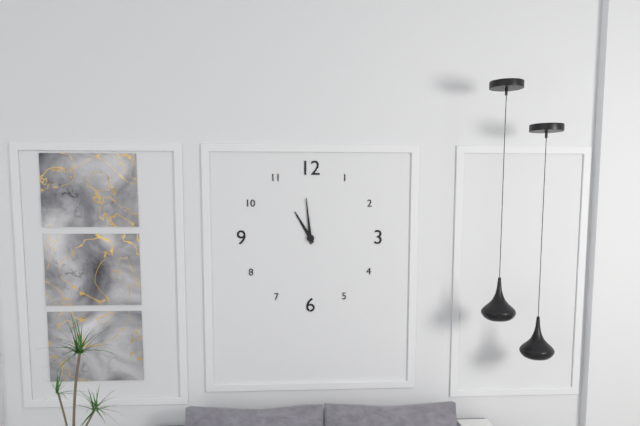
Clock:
10 h 59 min
